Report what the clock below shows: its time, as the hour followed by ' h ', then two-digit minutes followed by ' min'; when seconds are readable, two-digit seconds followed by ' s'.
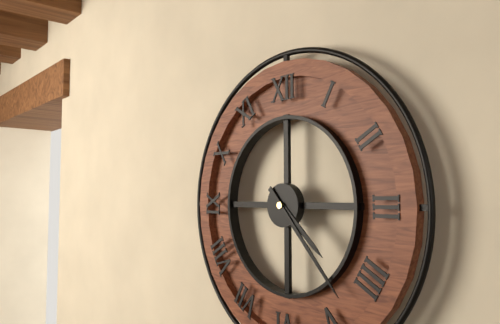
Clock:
4 h 23 min
